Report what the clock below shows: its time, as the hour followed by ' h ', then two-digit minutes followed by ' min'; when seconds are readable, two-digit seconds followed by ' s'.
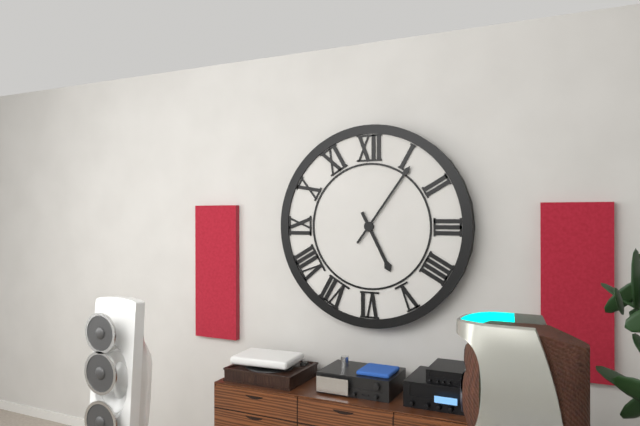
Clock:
5 h 06 min
